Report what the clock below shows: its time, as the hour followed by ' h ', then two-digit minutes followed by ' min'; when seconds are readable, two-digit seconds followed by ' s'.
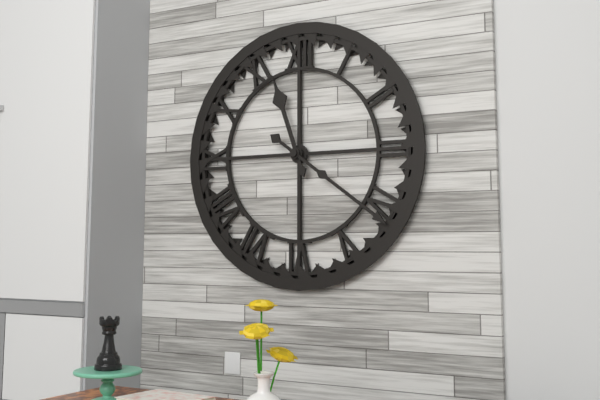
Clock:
11 h 21 min
